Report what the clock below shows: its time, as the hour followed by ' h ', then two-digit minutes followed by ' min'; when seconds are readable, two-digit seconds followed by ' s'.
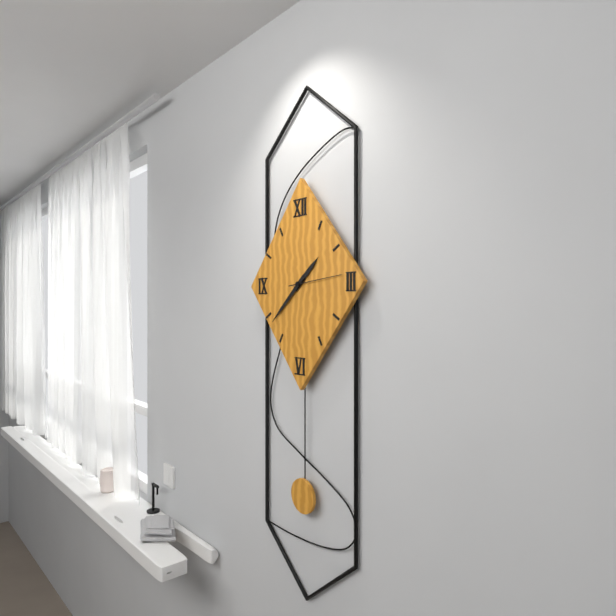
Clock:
1 h 38 min
